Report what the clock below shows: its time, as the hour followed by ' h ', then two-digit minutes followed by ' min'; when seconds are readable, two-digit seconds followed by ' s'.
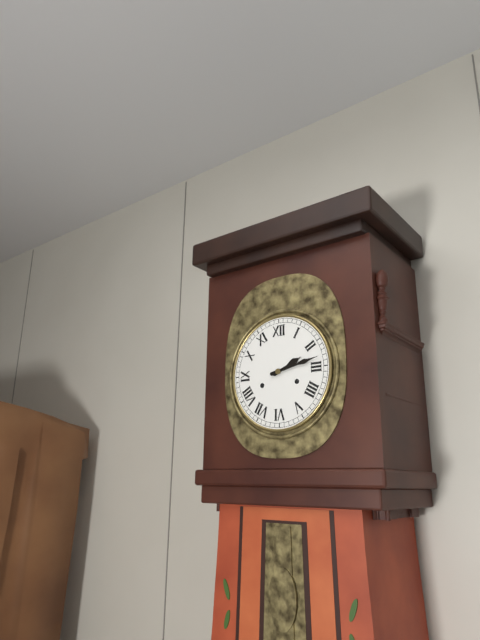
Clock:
2 h 13 min
